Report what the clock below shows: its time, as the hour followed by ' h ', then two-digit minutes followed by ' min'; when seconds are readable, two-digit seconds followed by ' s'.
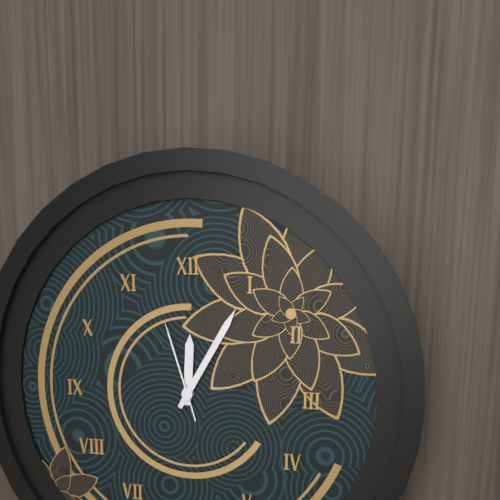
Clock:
12 h 05 min 57 s
